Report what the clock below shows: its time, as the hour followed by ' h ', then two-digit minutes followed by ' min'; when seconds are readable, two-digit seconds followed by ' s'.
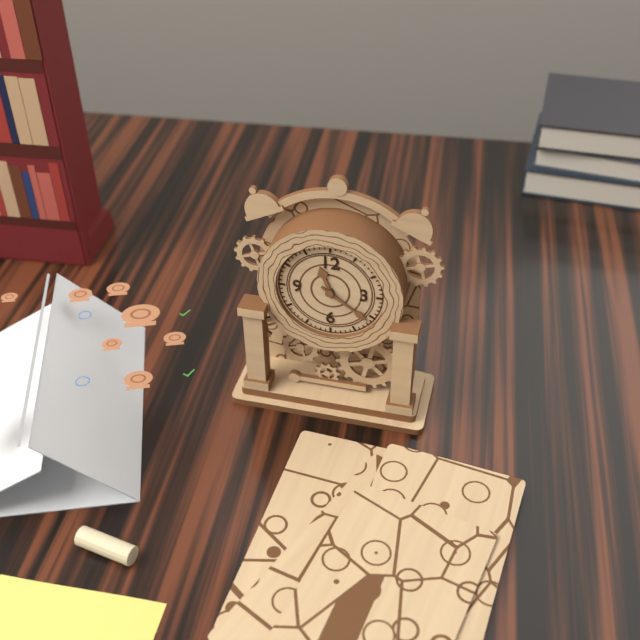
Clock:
11 h 21 min
